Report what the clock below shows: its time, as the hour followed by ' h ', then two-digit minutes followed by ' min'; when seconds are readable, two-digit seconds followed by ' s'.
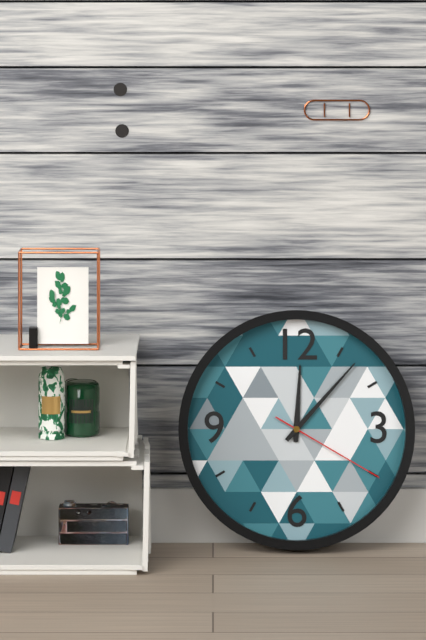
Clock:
12 h 07 min 20 s
